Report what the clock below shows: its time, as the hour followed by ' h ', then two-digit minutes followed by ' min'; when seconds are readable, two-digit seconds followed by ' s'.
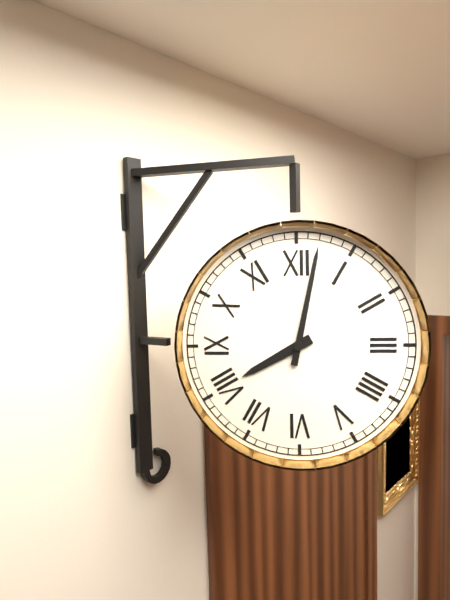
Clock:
8 h 02 min
